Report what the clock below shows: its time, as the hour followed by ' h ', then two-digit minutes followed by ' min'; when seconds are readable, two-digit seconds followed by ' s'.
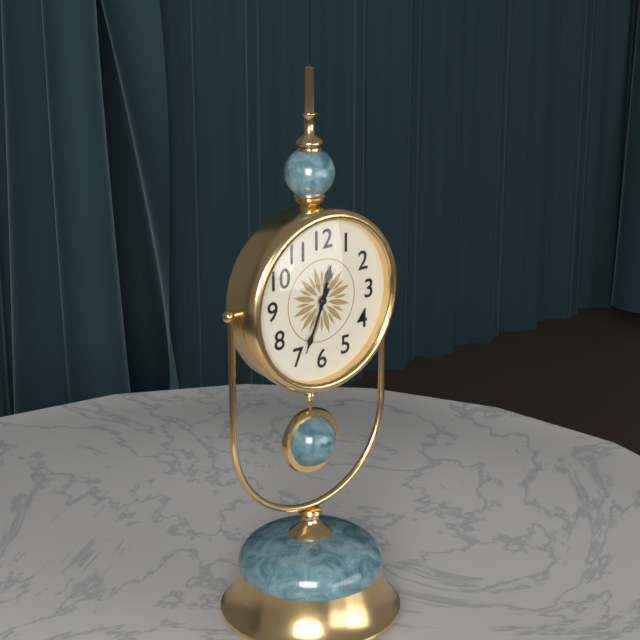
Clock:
12 h 34 min
